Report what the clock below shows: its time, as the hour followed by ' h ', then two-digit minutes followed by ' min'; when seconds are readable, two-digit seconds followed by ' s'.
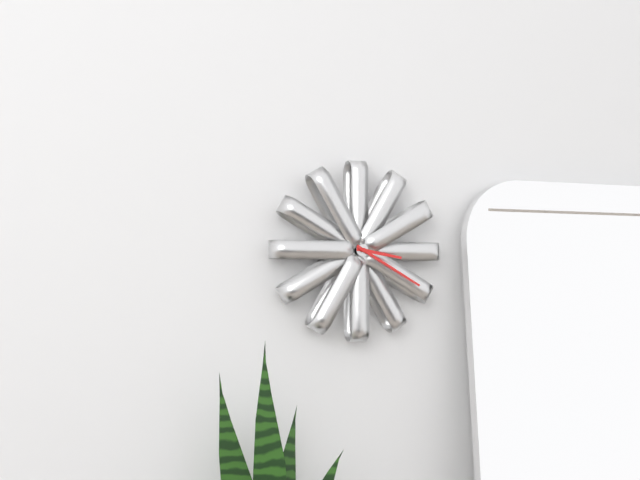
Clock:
3 h 20 min
